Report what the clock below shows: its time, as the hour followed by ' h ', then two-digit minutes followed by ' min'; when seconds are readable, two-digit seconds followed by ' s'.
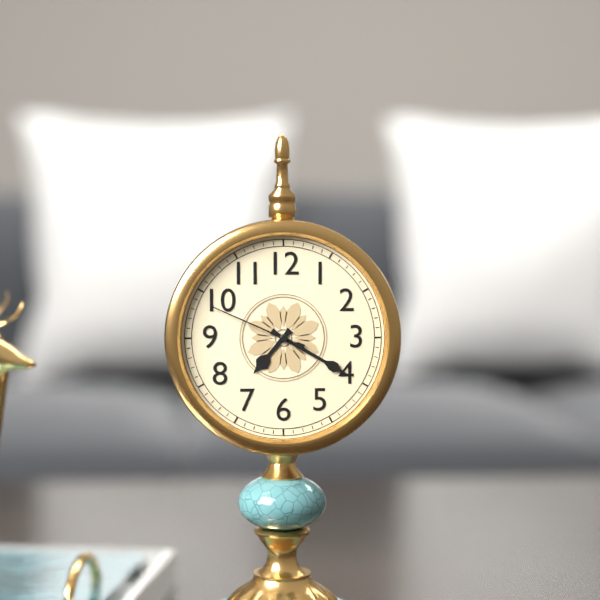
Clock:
7 h 20 min 49 s
